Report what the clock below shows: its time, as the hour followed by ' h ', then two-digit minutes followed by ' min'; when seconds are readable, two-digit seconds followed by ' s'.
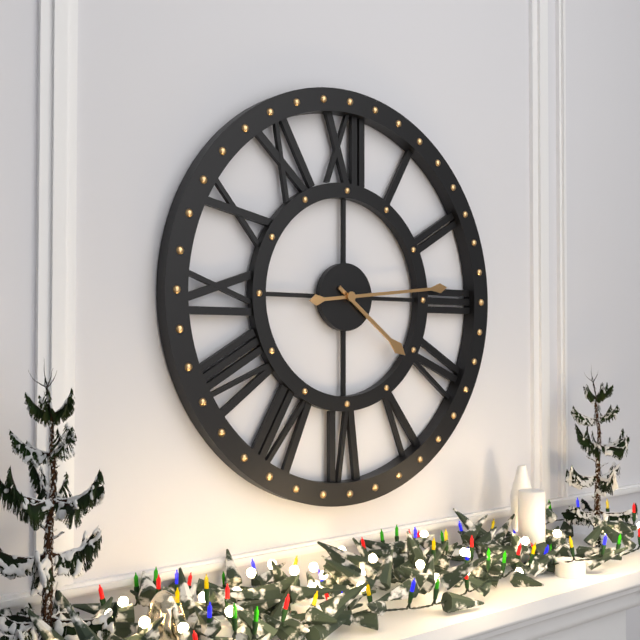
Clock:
4 h 14 min
